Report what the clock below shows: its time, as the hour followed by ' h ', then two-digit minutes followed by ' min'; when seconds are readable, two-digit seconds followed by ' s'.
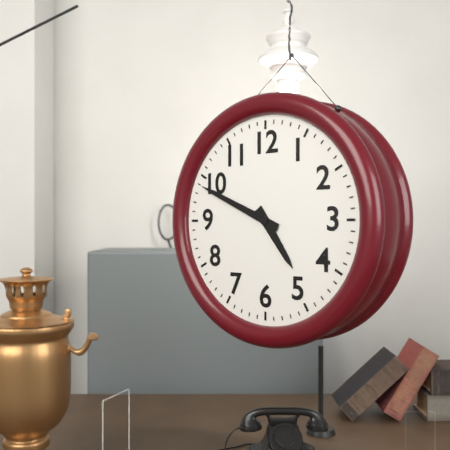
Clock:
4 h 49 min
